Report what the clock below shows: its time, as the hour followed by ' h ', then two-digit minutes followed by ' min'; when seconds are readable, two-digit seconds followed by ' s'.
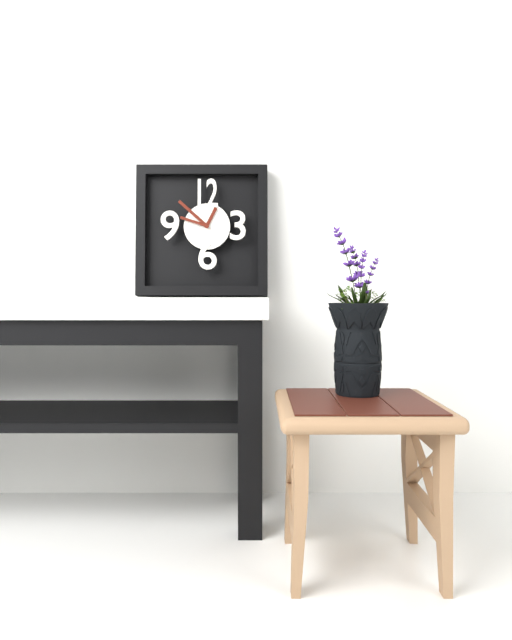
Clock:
12 h 52 min
